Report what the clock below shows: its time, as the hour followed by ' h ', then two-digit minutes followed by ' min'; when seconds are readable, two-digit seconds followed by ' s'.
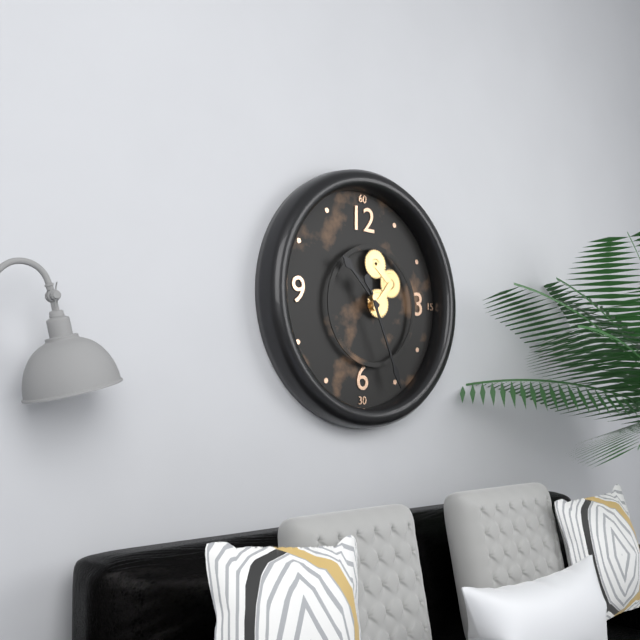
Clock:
10 h 26 min
